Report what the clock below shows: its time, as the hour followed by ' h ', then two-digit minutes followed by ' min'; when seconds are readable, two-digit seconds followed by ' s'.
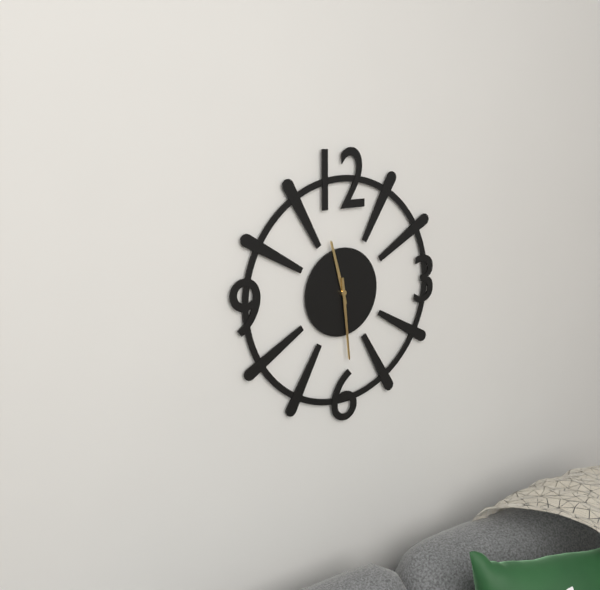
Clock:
11 h 29 min
